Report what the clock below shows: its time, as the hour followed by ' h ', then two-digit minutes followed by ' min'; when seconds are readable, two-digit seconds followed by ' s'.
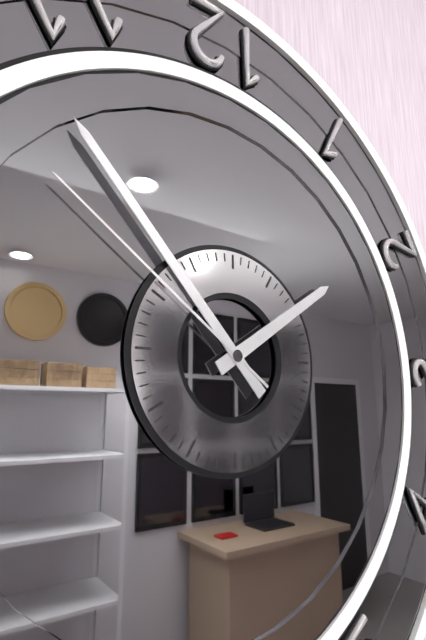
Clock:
1 h 53 min 51 s
